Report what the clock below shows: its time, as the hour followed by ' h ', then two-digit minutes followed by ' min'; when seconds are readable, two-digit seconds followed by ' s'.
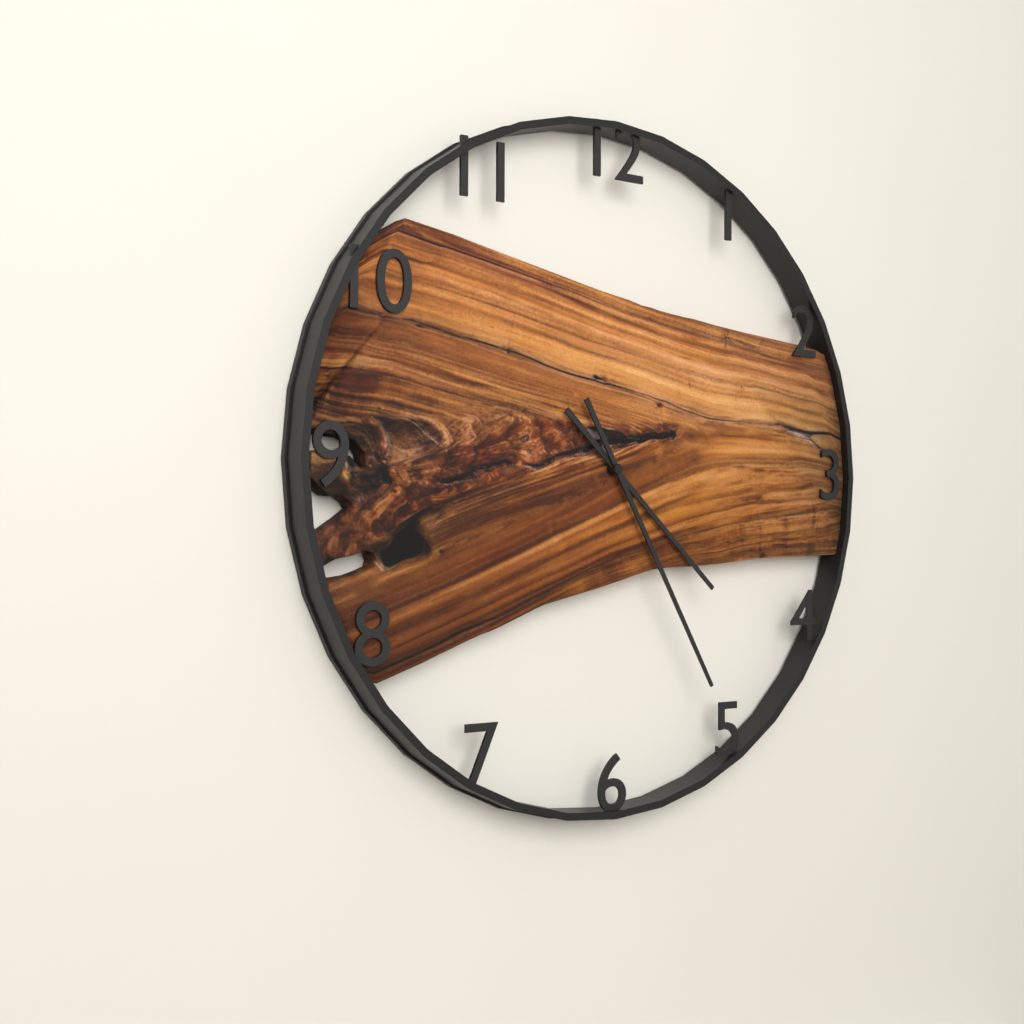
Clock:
4 h 25 min
